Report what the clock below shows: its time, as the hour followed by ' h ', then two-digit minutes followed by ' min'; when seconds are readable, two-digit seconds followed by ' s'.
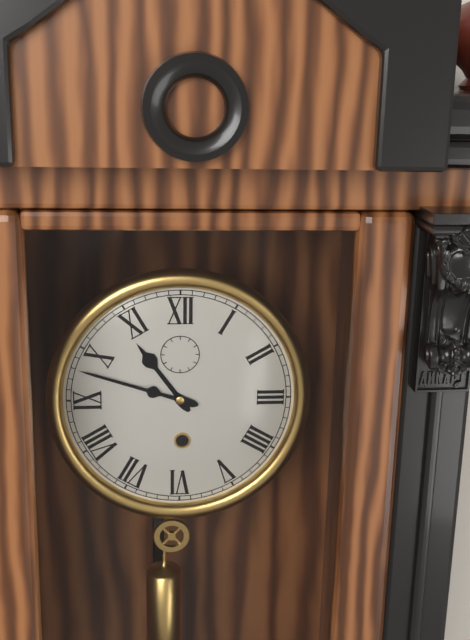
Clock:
10 h 48 min
